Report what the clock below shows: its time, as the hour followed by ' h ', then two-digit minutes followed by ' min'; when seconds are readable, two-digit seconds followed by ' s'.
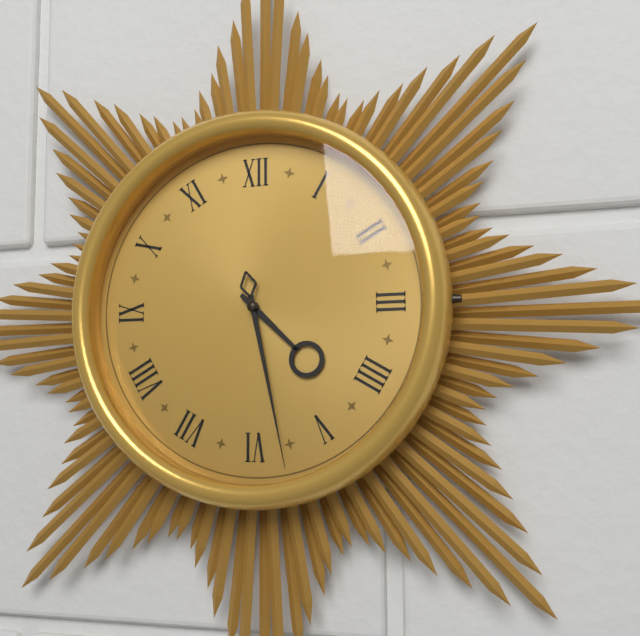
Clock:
4 h 28 min
